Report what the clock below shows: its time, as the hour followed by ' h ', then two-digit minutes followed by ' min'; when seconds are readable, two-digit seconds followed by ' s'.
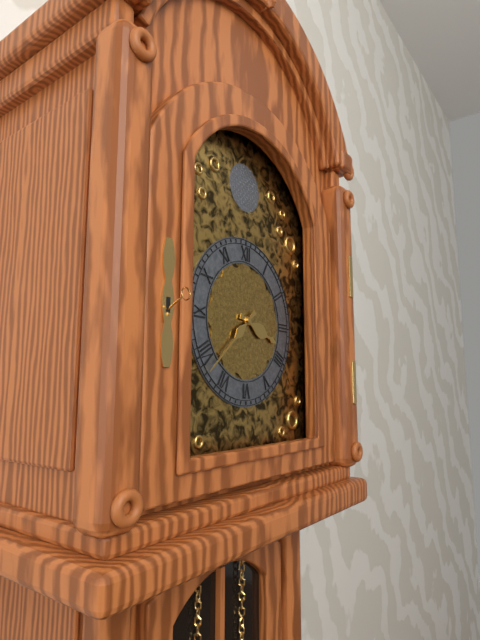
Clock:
3 h 38 min
